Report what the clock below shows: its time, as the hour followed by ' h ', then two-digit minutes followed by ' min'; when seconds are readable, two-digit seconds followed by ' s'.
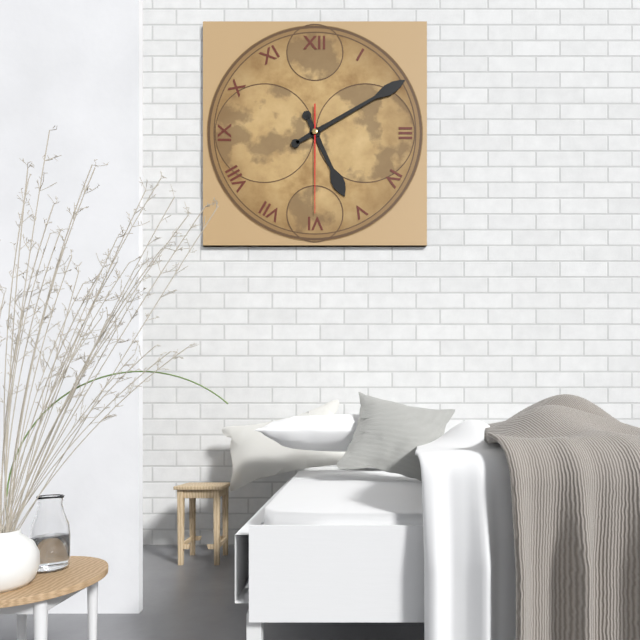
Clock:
5 h 10 min 30 s
